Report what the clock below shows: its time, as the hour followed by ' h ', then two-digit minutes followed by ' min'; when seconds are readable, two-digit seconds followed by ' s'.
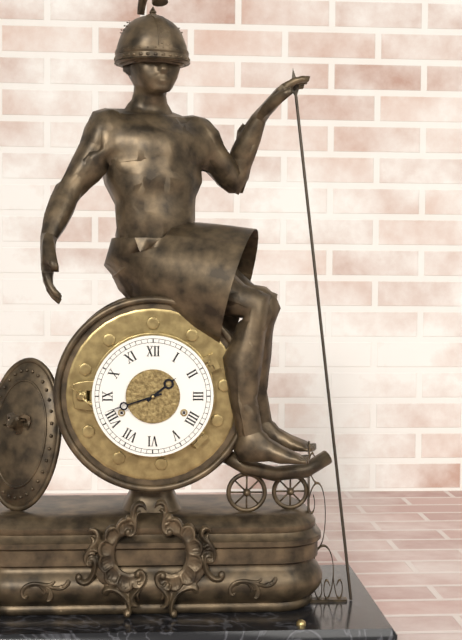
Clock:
1 h 42 min
